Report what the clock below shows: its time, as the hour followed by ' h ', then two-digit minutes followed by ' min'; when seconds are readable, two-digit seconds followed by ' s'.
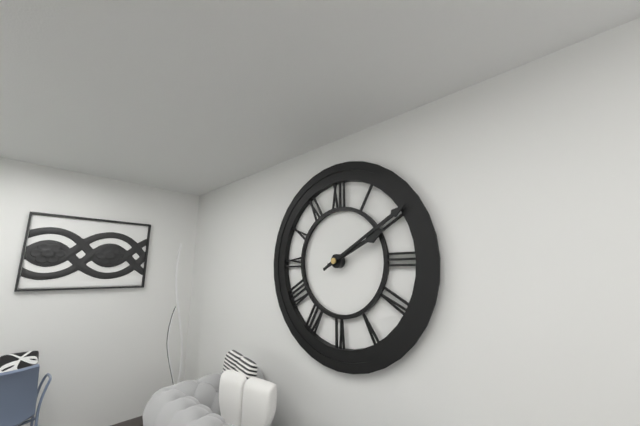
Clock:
2 h 10 min
